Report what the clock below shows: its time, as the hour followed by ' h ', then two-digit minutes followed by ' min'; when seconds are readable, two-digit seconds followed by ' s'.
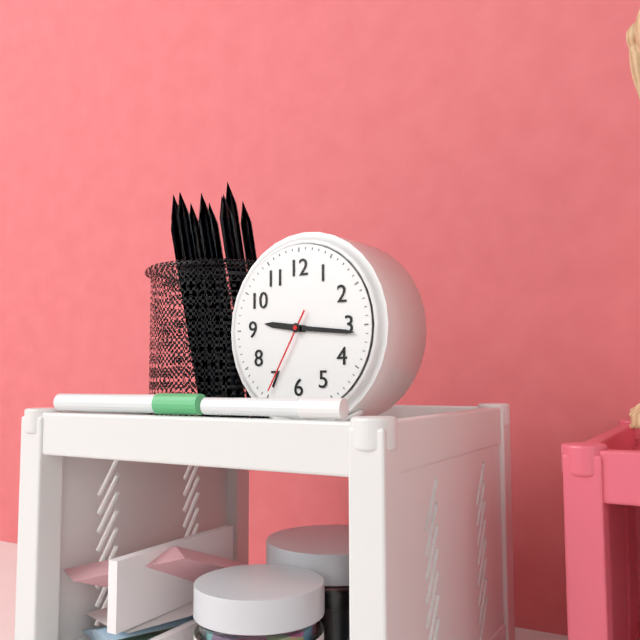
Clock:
9 h 16 min 35 s
